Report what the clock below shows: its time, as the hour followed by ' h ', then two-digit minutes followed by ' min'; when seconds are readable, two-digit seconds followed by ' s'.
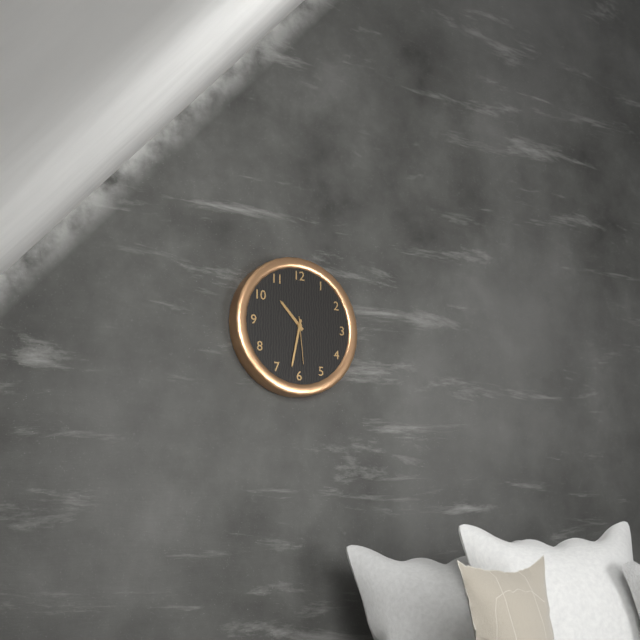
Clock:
10 h 32 min
